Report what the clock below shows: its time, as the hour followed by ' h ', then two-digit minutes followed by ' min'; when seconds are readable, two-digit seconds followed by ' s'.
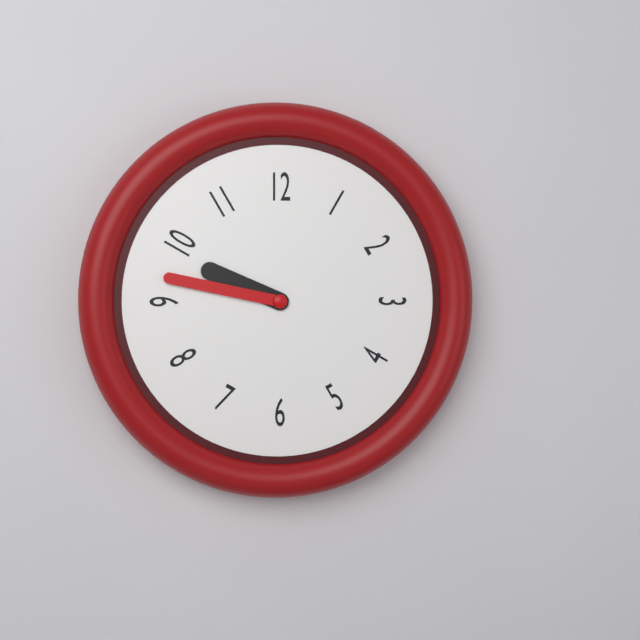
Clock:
9 h 47 min
